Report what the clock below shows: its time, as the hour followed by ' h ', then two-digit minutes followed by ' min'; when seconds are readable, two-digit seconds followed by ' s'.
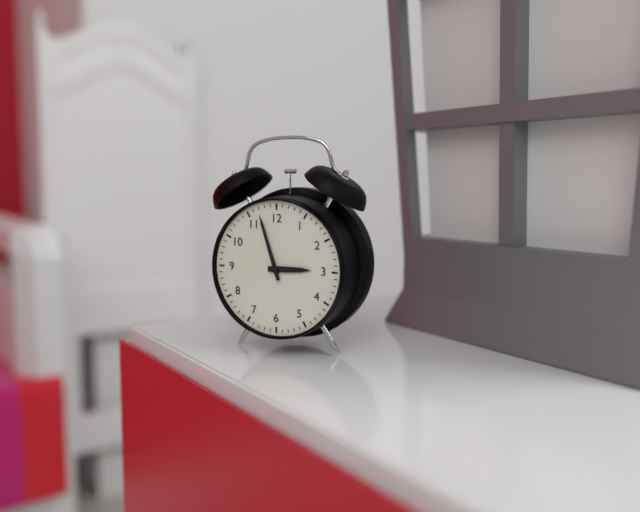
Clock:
2 h 57 min
